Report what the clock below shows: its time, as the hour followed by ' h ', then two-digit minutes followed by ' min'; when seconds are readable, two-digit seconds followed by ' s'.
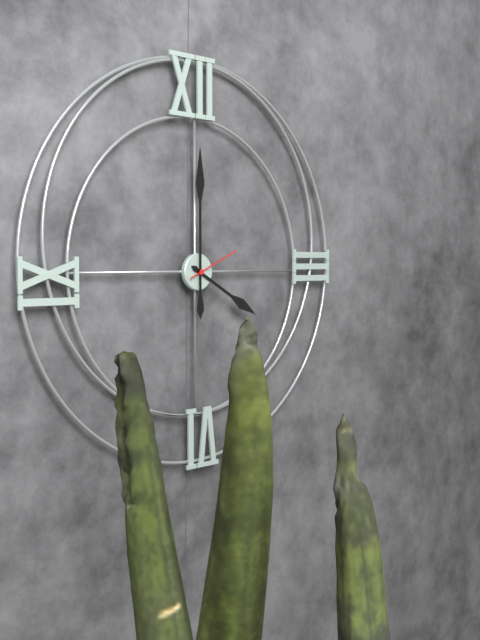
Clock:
4 h 00 min 11 s
